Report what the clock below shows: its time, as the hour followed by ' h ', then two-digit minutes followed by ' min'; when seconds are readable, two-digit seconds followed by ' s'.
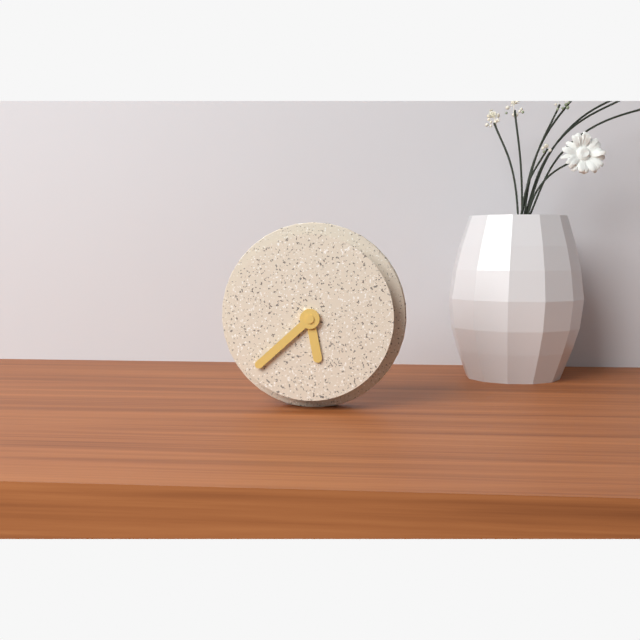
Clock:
5 h 38 min
